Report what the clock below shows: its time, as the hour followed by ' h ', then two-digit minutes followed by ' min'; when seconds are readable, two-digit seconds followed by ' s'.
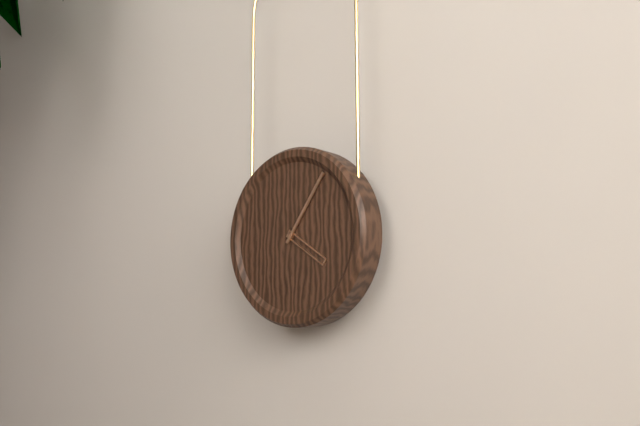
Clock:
4 h 06 min
